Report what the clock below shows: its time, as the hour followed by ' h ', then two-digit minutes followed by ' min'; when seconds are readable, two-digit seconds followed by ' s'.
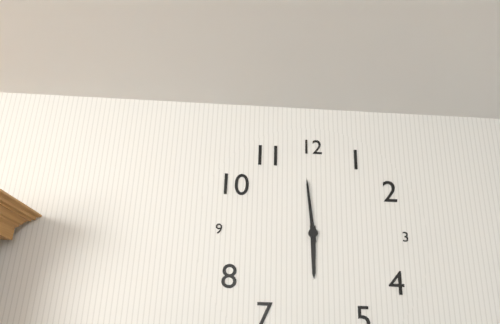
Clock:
5 h 59 min
